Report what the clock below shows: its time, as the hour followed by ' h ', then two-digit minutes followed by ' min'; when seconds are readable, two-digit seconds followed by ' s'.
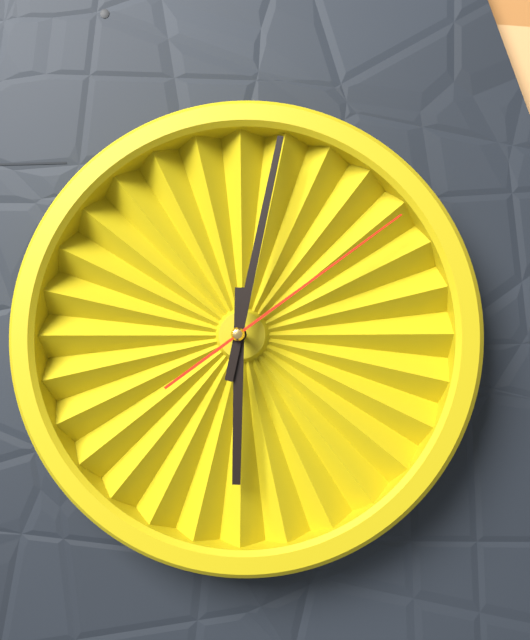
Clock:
6 h 02 min 09 s
